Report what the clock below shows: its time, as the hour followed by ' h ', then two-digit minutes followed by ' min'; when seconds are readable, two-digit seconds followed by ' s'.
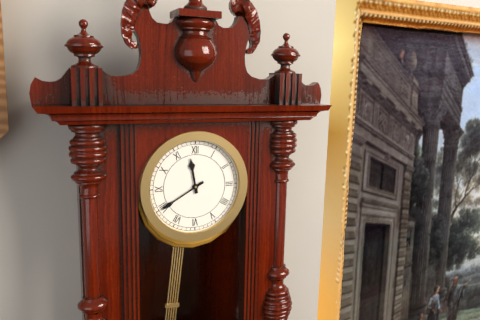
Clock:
11 h 40 min
